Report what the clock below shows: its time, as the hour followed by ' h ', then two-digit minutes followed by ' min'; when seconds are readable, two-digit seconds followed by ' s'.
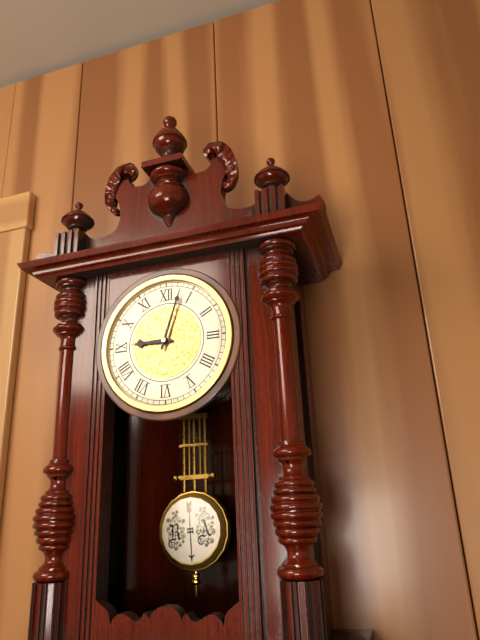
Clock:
9 h 03 min
